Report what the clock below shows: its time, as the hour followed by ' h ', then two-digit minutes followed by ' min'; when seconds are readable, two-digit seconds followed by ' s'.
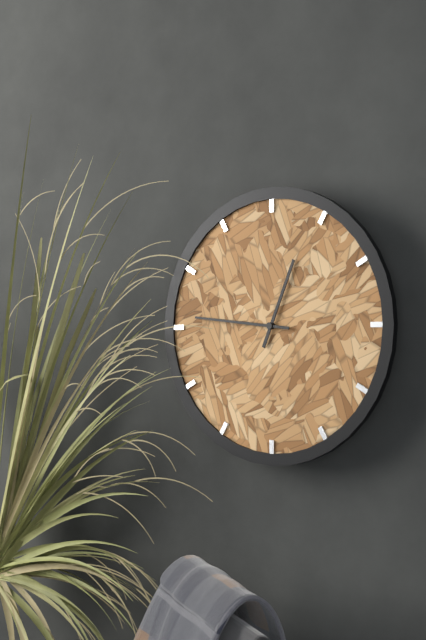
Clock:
12 h 46 min
